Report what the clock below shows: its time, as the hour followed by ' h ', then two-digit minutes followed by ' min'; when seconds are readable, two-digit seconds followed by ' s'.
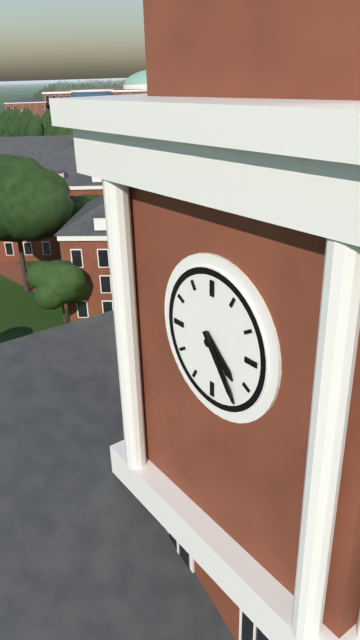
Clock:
4 h 24 min
